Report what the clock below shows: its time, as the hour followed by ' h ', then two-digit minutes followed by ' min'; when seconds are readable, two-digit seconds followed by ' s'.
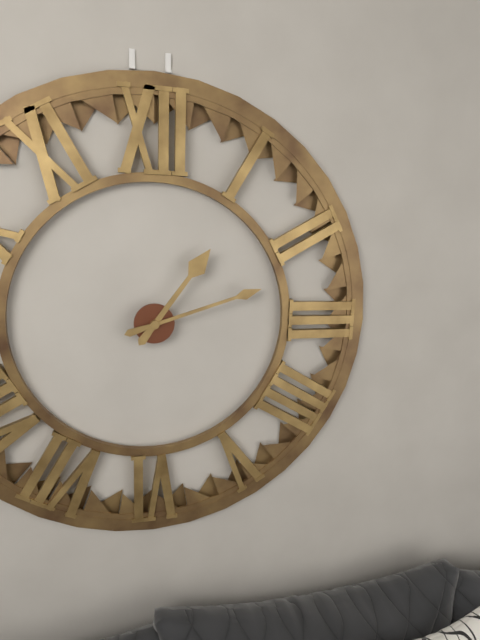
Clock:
1 h 12 min
